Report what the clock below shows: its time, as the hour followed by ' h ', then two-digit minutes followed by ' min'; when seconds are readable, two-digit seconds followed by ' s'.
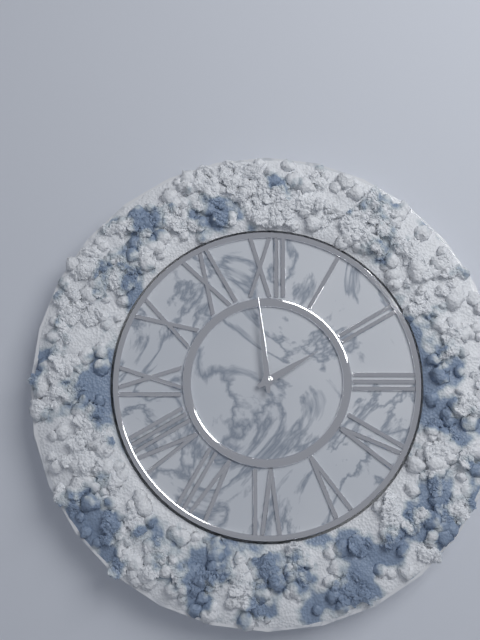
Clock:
1 h 59 min
